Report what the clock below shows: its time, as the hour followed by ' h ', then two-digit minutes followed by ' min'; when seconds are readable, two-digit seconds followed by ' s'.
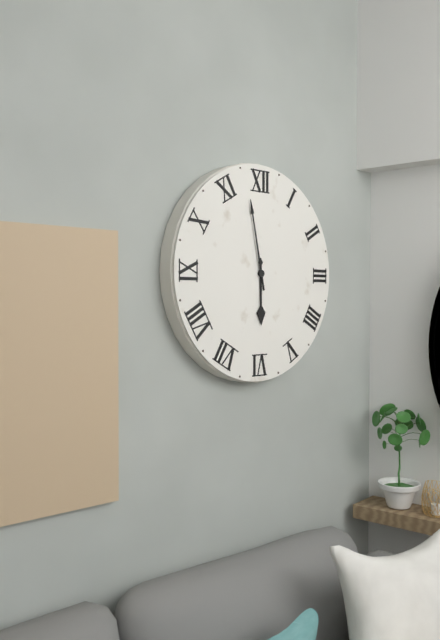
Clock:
5 h 58 min
